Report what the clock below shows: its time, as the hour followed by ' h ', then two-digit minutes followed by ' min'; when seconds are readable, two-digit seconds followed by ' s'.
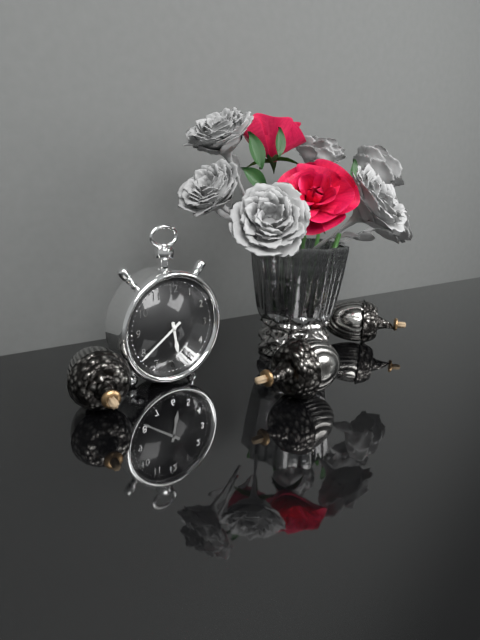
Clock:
5 h 39 min
